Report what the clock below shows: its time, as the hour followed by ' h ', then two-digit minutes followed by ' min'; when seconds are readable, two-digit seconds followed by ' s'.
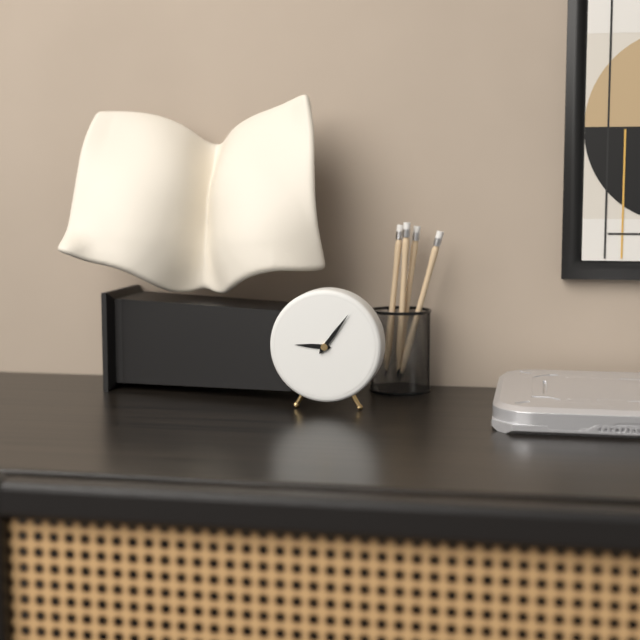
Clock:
9 h 06 min
